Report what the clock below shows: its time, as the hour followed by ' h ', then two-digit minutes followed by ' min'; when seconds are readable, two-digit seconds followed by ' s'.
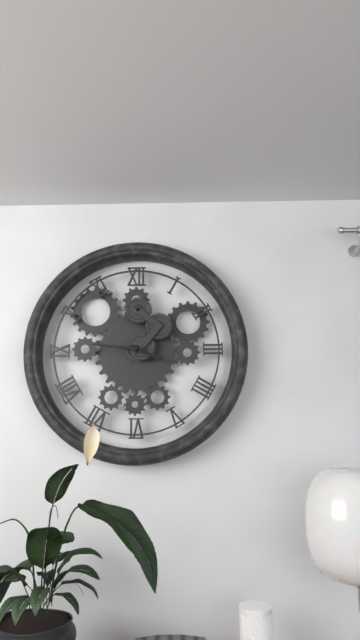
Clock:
3 h 46 min
